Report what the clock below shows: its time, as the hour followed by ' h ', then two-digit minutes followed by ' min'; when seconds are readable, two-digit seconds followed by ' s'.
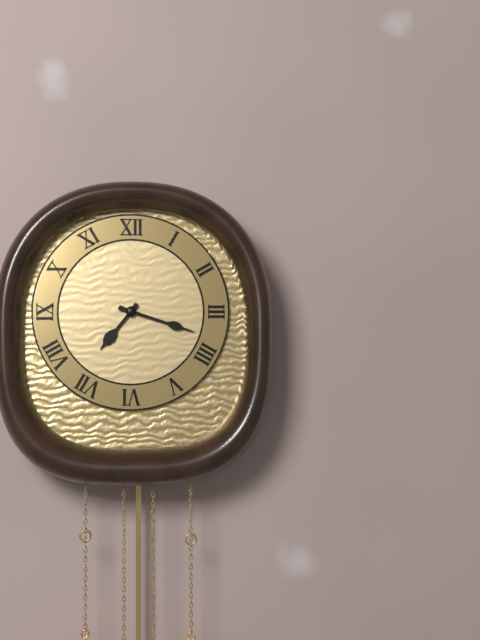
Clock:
7 h 18 min
